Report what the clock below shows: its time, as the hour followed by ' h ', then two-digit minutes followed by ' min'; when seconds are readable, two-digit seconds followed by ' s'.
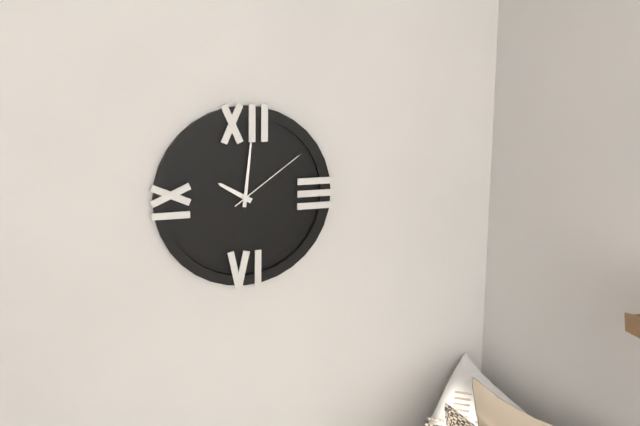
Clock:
10 h 01 min 09 s
